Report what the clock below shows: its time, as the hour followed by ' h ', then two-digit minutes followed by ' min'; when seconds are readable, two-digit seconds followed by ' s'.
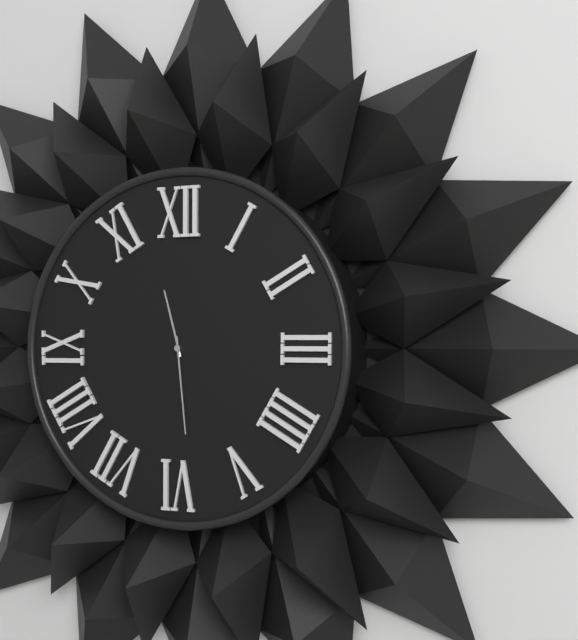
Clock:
11 h 29 min
